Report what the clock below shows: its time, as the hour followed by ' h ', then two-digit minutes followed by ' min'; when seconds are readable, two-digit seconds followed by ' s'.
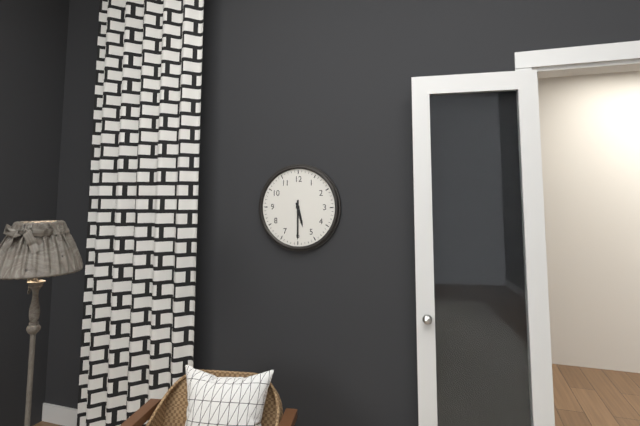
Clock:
5 h 30 min
